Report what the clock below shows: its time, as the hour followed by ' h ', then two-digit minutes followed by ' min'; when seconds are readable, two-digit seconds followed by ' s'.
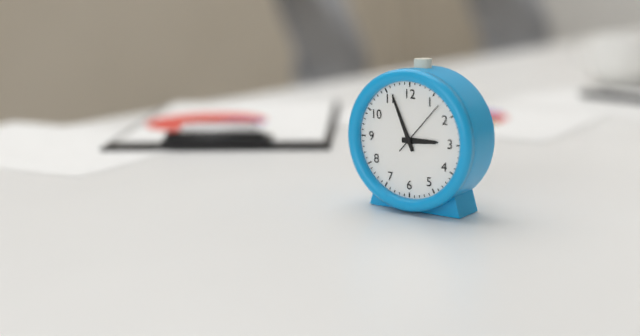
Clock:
2 h 56 min 07 s
